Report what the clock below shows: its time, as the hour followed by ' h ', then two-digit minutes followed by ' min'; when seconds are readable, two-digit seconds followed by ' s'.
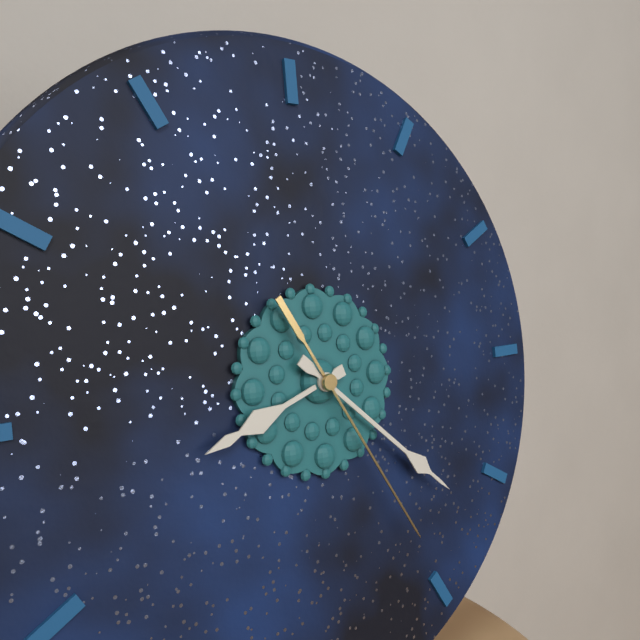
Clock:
8 h 22 min 25 s
